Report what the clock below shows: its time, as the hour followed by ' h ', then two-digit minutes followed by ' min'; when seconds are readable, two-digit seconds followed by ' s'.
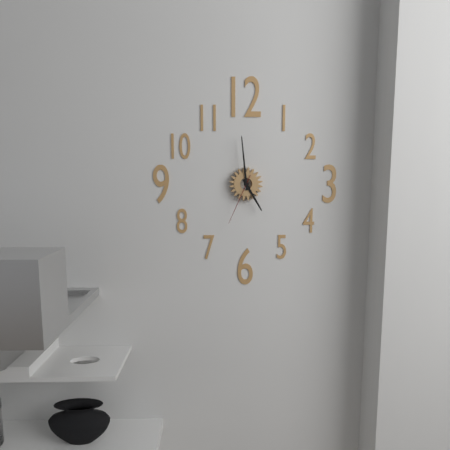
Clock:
4 h 59 min 34 s
